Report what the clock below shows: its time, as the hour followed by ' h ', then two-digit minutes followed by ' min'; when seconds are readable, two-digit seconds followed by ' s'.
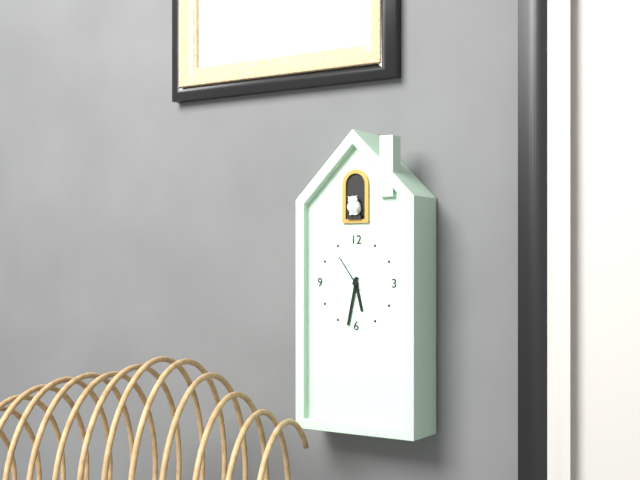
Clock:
5 h 32 min
